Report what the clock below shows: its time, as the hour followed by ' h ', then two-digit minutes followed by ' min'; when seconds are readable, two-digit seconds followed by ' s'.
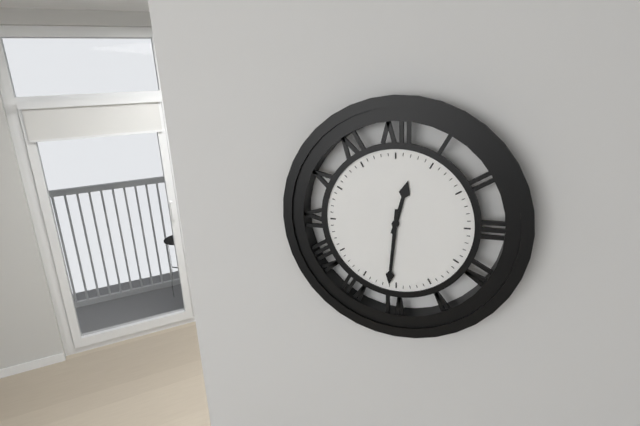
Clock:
12 h 31 min
